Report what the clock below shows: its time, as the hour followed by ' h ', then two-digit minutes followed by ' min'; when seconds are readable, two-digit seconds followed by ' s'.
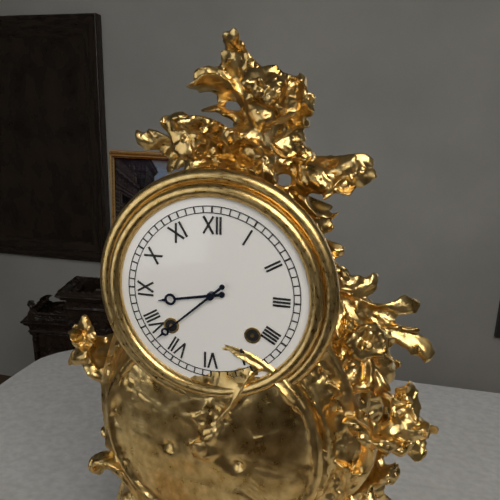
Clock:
8 h 38 min
